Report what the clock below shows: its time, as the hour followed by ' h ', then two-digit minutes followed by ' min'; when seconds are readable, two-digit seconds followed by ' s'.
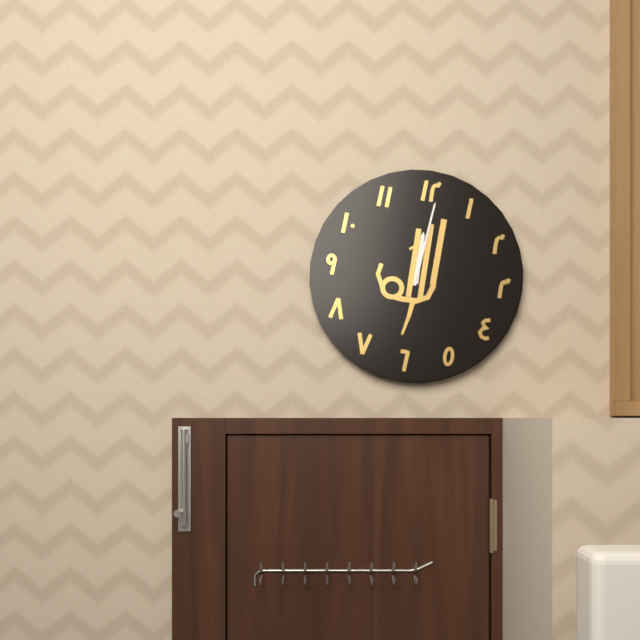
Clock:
12 h 01 min
